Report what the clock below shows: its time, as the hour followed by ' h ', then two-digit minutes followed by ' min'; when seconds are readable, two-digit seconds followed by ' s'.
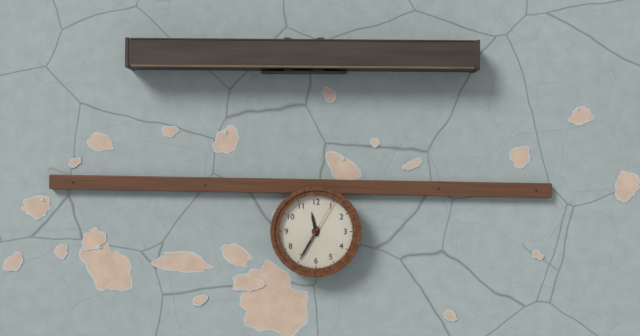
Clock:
11 h 35 min
